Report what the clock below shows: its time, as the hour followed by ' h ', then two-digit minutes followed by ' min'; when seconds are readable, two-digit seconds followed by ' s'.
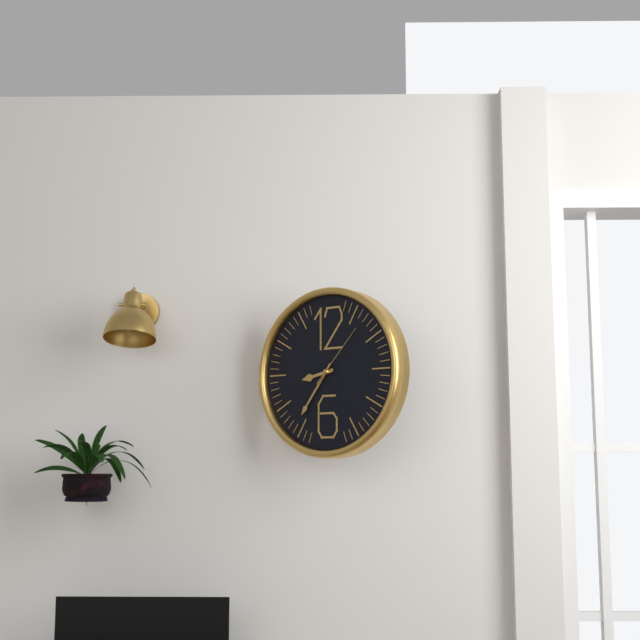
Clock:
8 h 36 min 07 s
